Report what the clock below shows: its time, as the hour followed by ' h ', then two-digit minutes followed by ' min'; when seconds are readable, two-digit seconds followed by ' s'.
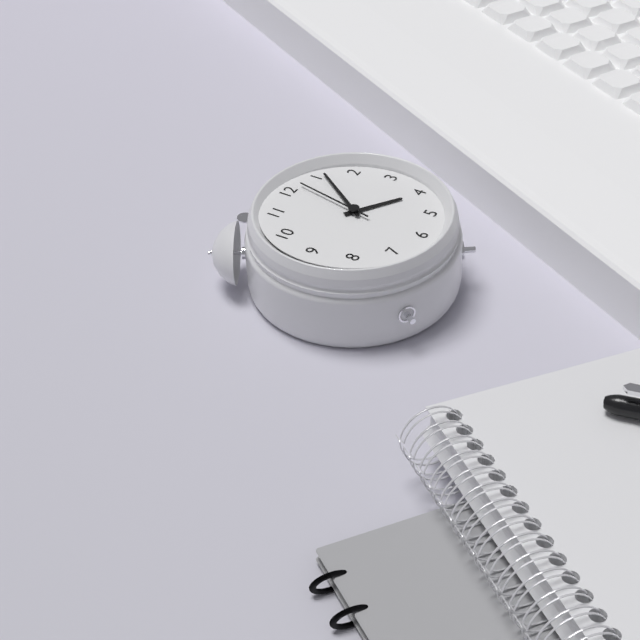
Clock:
4 h 06 min 02 s
